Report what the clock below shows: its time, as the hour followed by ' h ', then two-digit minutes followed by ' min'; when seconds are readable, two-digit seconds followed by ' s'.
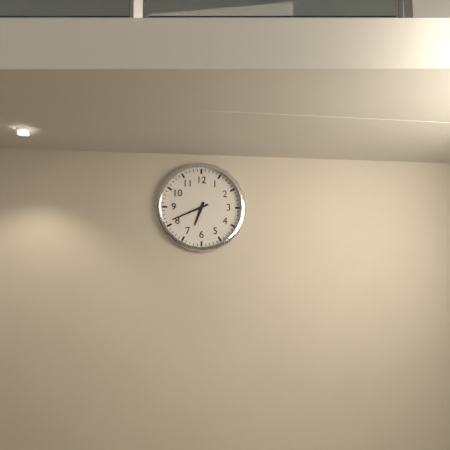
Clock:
6 h 41 min
